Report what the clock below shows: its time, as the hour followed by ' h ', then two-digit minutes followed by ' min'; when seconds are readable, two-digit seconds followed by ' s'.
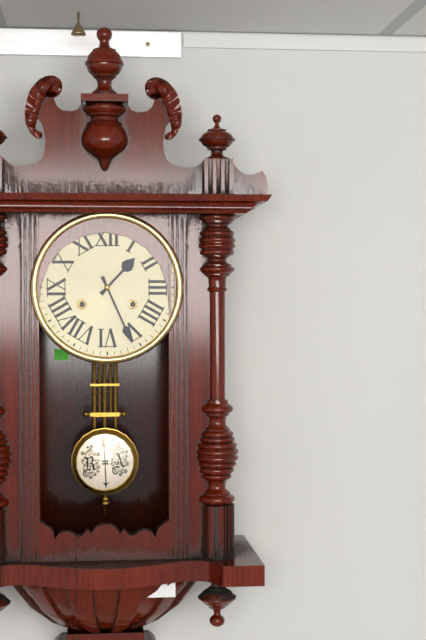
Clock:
1 h 26 min
